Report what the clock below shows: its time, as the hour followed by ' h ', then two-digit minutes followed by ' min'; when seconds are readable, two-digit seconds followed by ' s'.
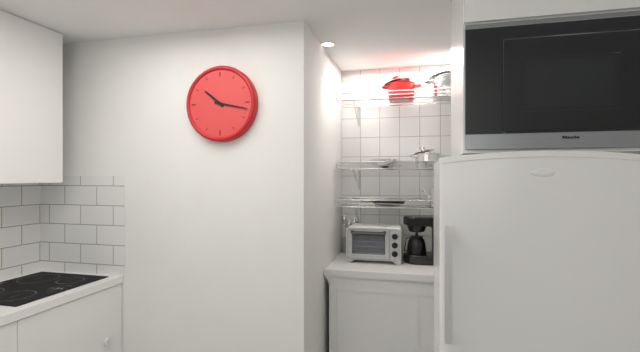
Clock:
10 h 17 min
